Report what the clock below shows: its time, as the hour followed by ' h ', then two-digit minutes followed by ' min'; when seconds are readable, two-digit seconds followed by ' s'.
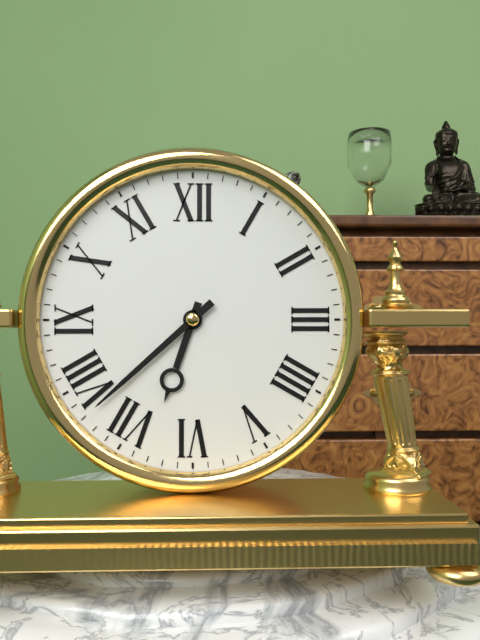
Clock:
6 h 38 min
